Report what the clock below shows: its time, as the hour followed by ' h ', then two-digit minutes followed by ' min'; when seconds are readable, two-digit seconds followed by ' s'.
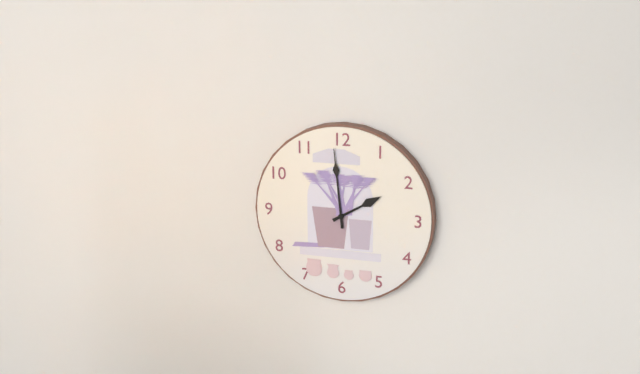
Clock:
1 h 59 min
